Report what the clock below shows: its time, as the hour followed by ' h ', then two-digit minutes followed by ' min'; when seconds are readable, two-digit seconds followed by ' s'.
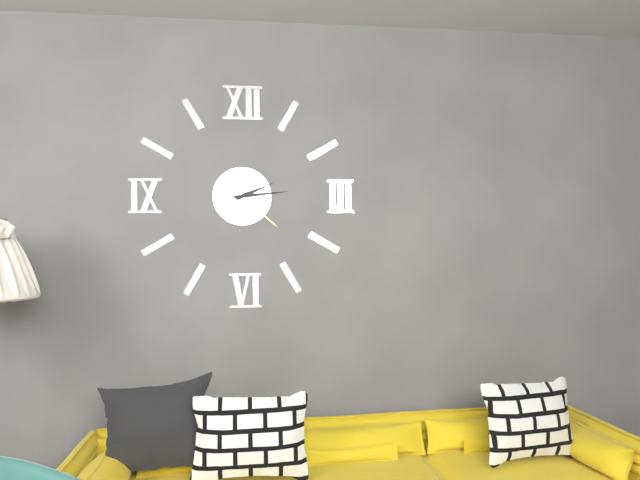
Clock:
2 h 14 min 22 s
